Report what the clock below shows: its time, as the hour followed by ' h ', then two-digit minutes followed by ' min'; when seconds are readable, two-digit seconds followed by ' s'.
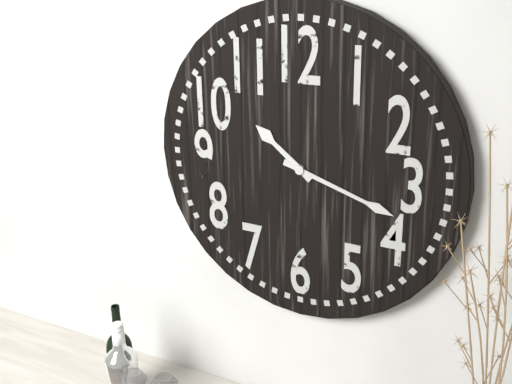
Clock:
10 h 18 min
